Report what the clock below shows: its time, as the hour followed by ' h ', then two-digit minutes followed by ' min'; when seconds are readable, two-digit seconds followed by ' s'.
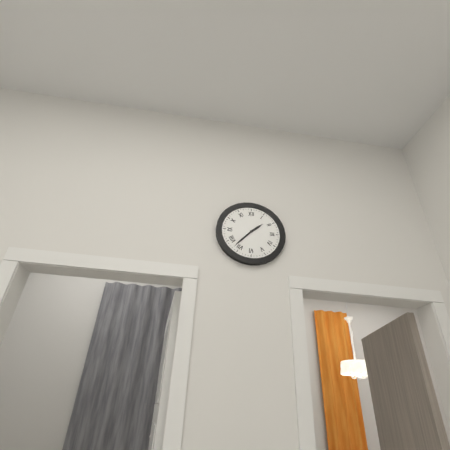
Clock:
1 h 37 min
